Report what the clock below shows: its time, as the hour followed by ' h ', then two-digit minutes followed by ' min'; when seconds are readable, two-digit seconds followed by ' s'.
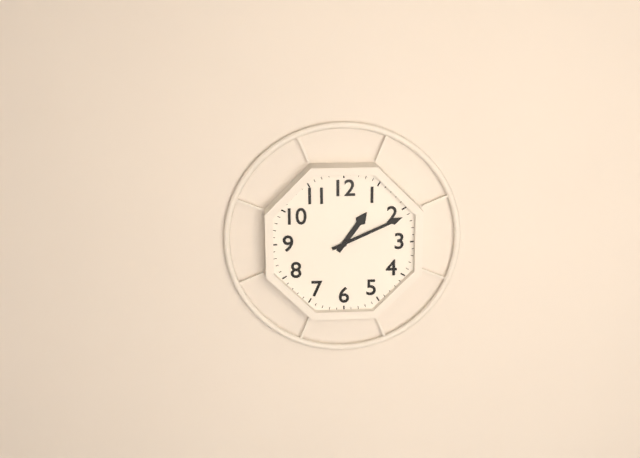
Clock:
1 h 11 min
